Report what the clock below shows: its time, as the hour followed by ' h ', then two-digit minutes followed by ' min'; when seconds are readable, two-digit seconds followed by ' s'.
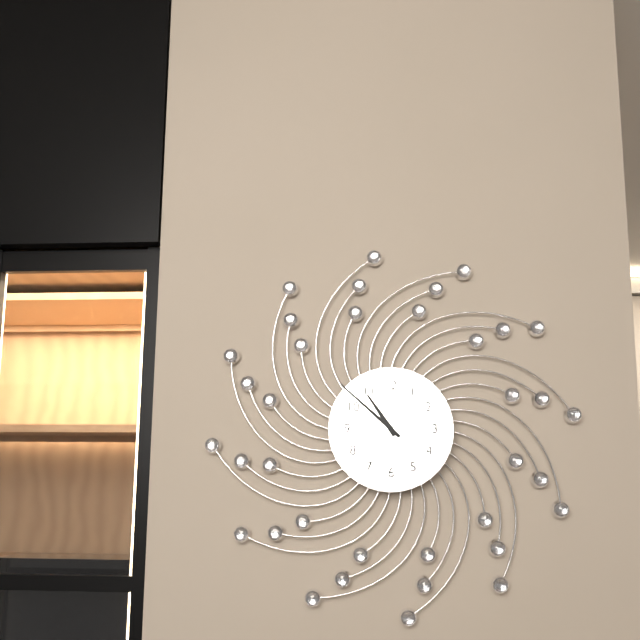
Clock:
10 h 52 min
